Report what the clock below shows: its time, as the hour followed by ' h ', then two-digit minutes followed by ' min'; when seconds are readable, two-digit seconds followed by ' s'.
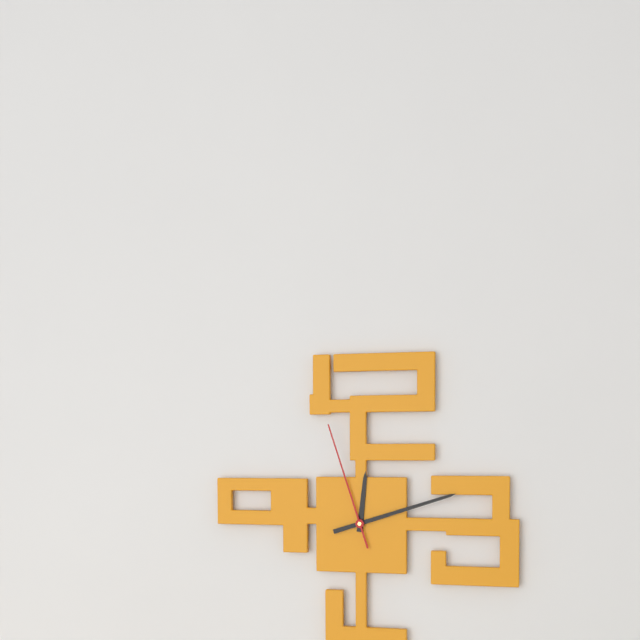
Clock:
12 h 12 min 57 s
